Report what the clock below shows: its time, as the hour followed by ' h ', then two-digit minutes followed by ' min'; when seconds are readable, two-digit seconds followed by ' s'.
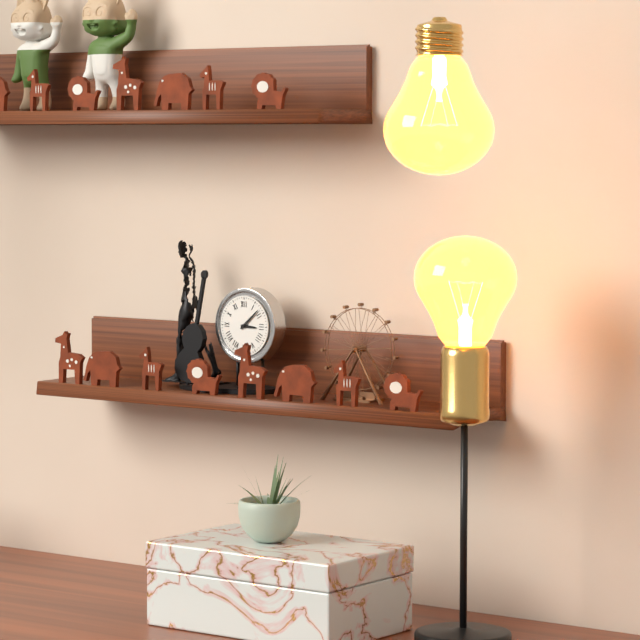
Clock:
3 h 08 min
